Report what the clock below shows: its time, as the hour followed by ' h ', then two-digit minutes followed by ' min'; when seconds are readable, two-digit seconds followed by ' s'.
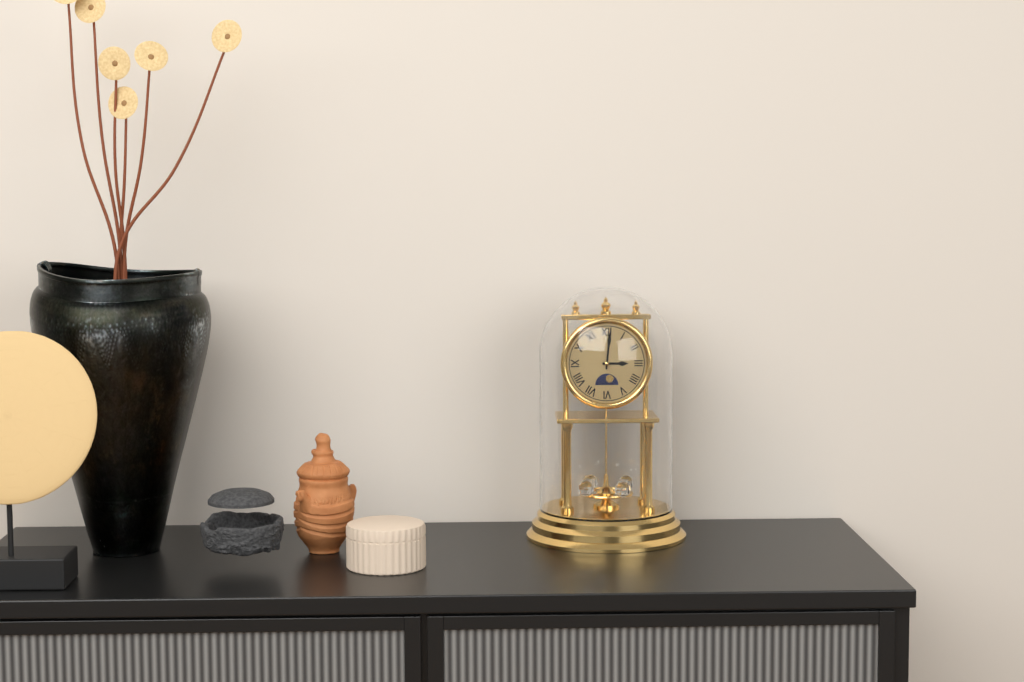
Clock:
3 h 01 min
